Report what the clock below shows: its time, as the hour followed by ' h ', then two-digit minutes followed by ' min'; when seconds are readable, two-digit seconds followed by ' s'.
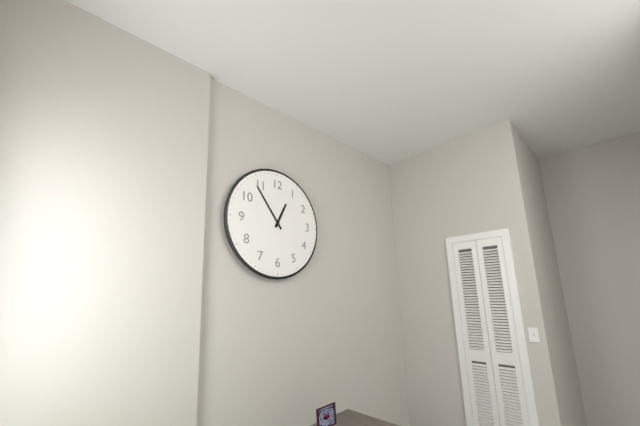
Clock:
12 h 54 min
